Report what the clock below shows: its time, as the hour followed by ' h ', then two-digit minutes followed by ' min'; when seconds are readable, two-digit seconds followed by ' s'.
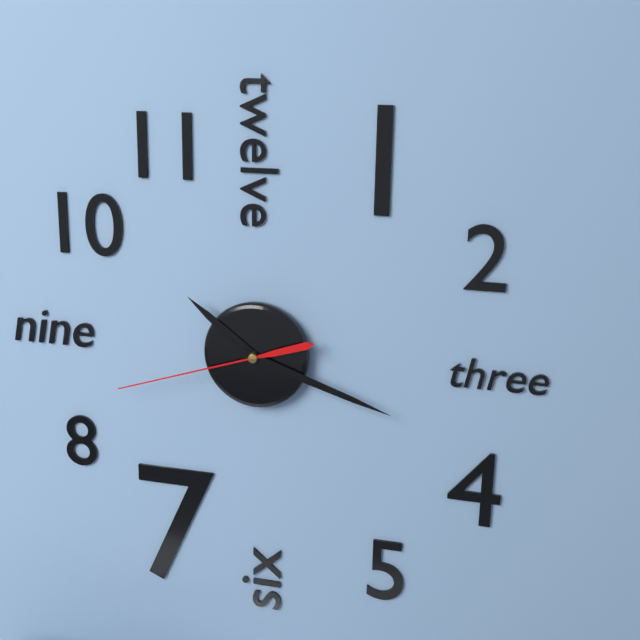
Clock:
10 h 18 min 42 s
